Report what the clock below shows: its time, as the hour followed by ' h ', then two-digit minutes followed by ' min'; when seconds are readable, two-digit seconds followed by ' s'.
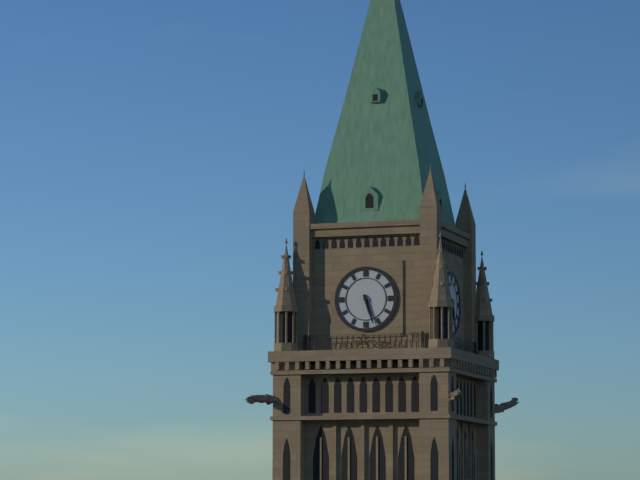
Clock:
5 h 27 min
